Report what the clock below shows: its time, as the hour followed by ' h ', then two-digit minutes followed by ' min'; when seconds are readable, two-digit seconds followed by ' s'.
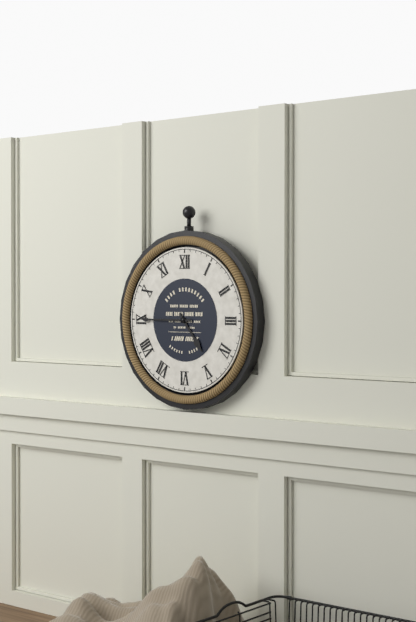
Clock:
4 h 45 min
